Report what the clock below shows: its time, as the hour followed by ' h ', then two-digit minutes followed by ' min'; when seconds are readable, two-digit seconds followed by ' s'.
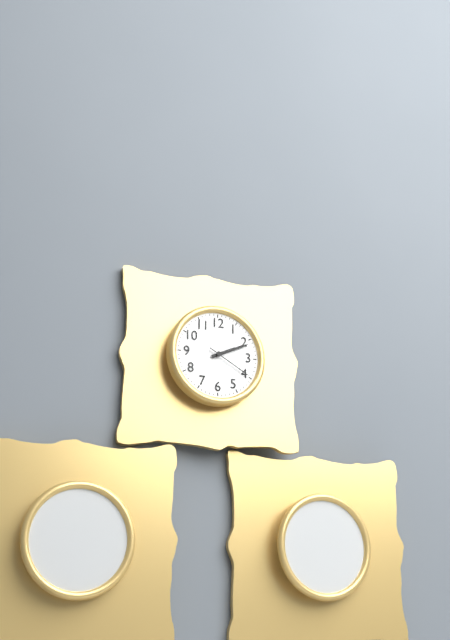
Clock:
2 h 11 min
